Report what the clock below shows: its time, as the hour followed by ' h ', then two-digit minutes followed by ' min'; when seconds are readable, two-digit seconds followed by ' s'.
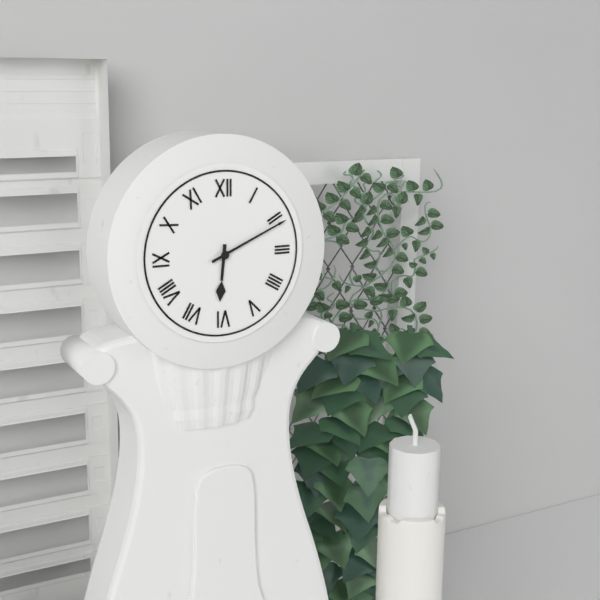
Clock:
6 h 11 min
